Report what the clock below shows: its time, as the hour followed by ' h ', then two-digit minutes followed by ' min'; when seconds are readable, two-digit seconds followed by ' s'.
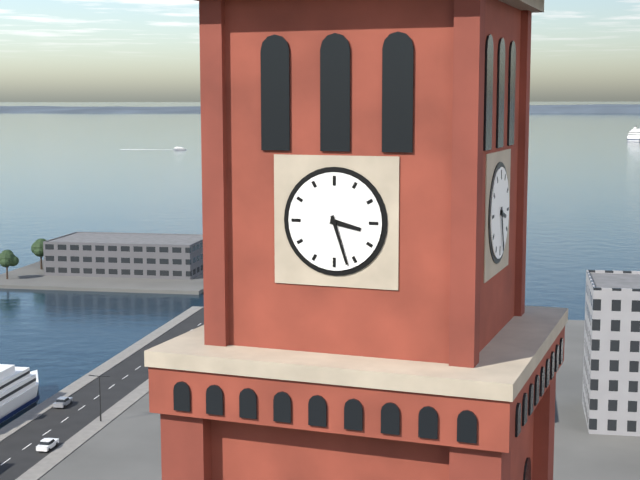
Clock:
3 h 27 min
